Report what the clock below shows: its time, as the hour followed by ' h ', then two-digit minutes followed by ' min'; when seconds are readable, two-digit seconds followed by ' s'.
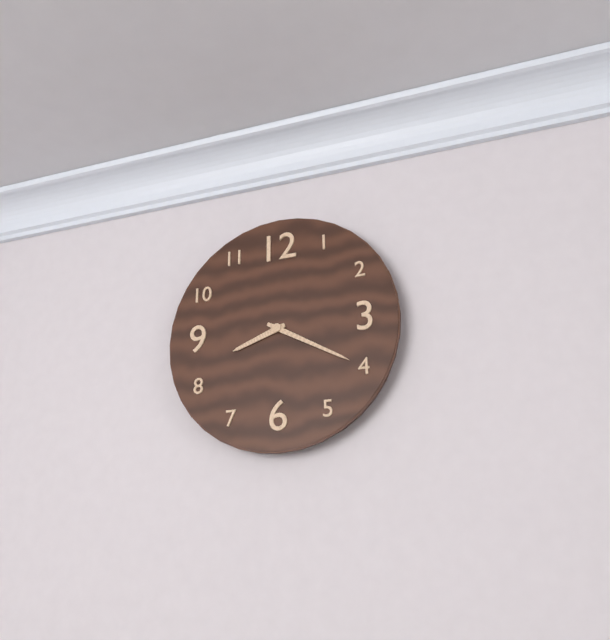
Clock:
8 h 20 min
